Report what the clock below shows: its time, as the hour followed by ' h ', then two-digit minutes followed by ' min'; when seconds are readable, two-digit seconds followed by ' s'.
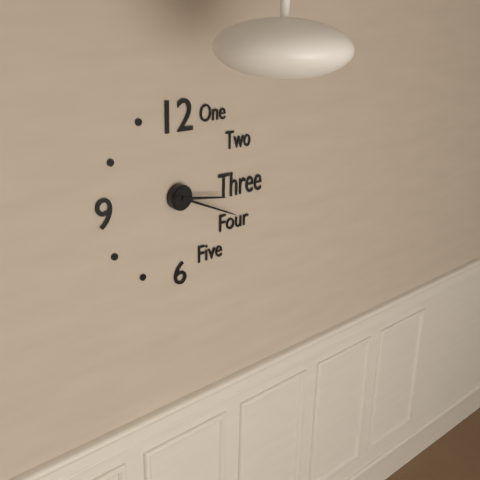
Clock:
3 h 19 min
